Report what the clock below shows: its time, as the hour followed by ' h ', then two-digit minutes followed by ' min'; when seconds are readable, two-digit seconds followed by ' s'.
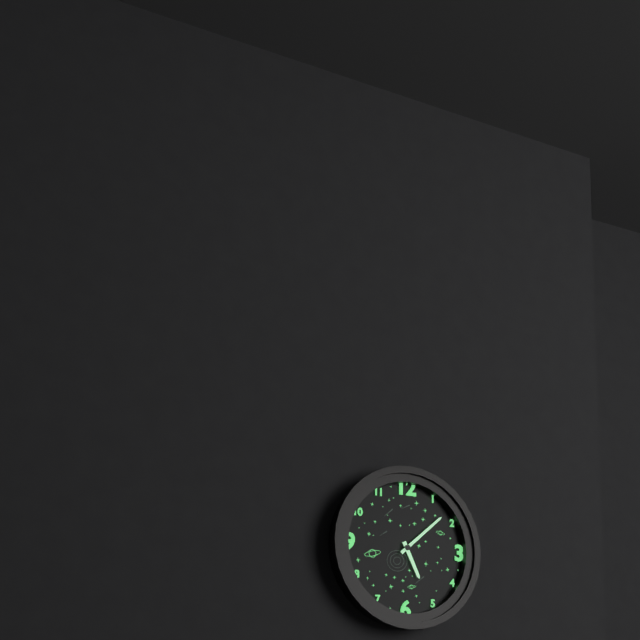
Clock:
5 h 08 min
